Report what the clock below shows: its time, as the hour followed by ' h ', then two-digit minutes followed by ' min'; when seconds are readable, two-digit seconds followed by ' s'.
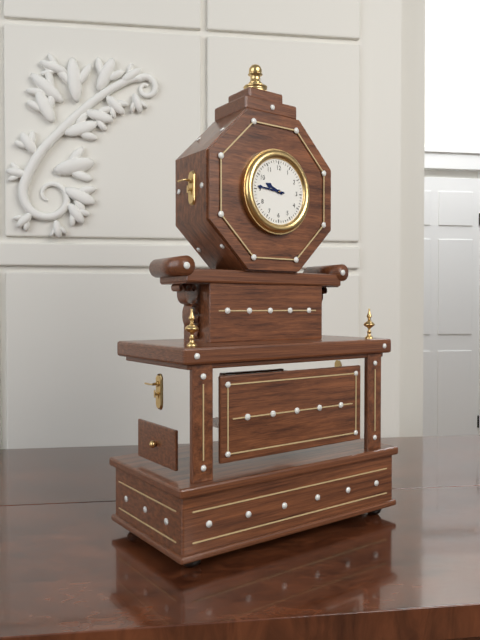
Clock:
9 h 46 min
